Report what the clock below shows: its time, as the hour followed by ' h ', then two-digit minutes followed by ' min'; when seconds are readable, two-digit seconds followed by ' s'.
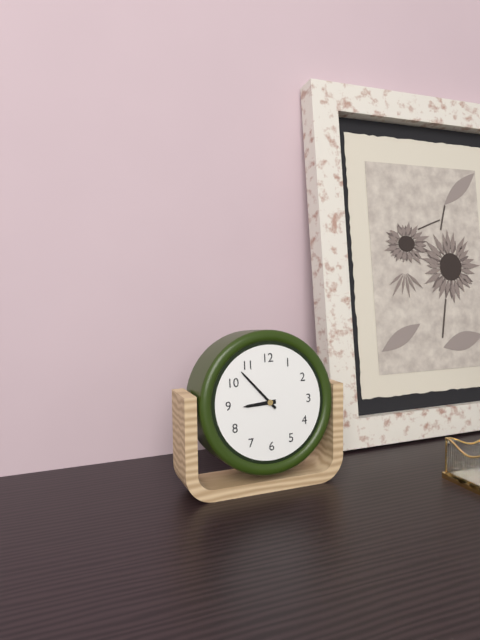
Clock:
8 h 53 min
